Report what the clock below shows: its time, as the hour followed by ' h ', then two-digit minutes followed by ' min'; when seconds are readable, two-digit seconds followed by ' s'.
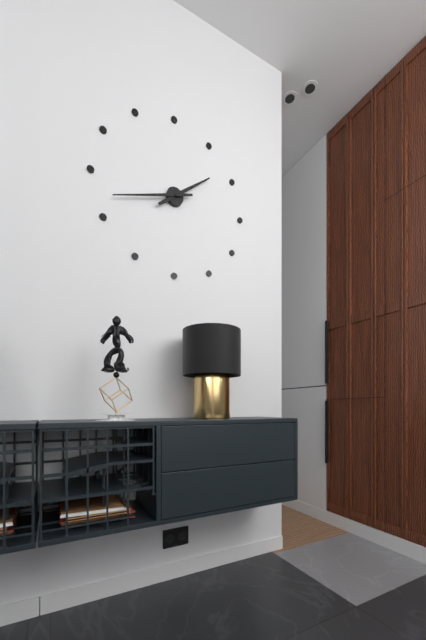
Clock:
1 h 42 min
